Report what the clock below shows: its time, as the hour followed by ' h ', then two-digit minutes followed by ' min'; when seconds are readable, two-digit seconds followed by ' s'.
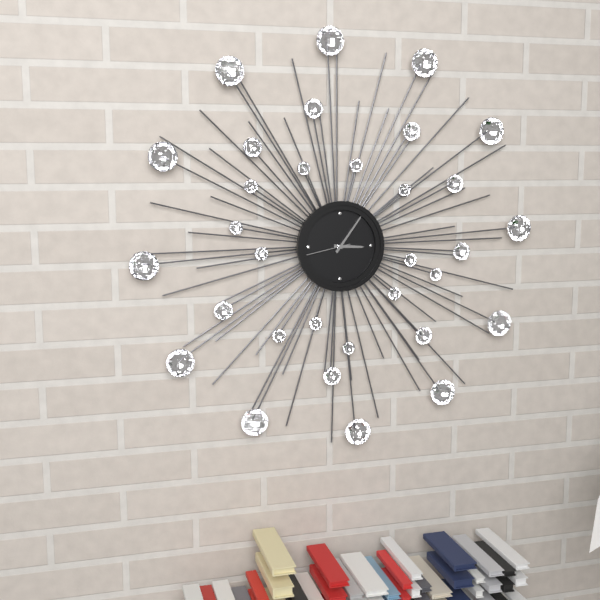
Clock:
3 h 06 min
